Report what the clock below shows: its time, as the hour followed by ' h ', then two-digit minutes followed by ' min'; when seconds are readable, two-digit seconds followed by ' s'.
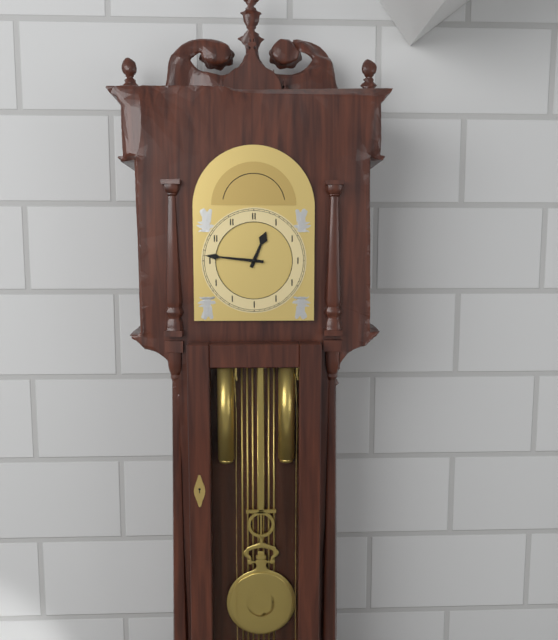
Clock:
12 h 46 min
